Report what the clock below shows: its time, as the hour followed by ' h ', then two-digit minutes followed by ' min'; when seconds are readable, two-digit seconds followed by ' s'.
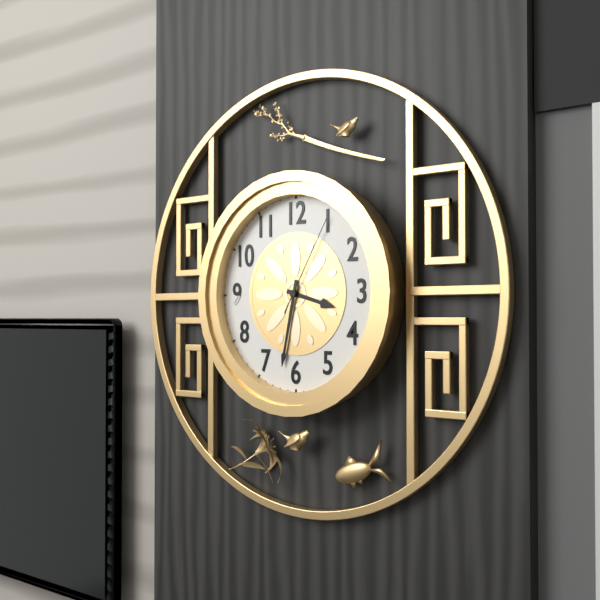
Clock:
3 h 32 min 05 s
